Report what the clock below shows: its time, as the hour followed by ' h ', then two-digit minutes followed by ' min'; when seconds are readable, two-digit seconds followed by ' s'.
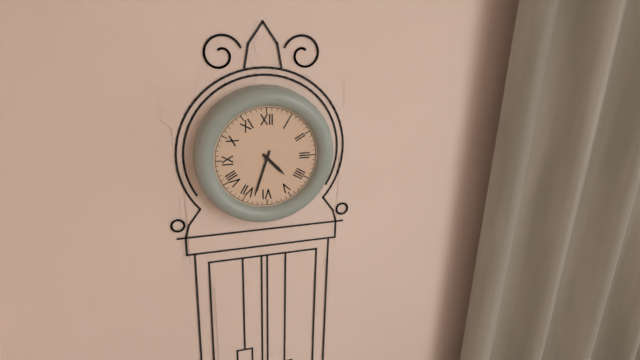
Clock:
4 h 33 min
